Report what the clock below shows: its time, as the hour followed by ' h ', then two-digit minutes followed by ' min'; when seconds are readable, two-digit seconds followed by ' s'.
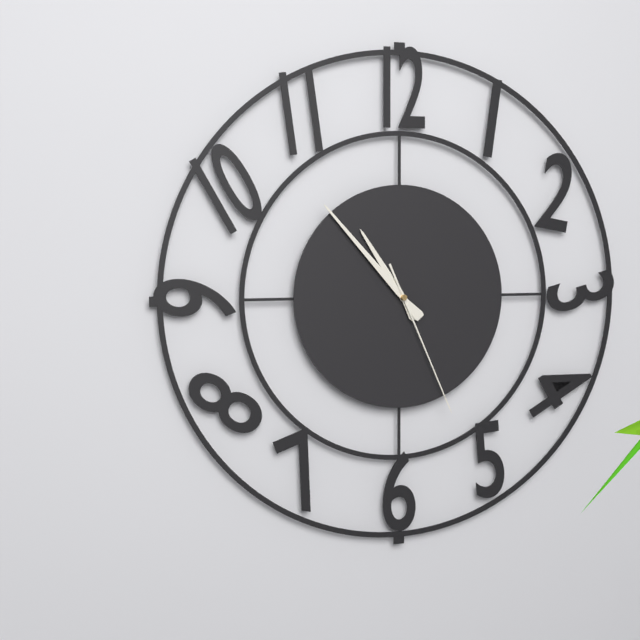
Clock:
10 h 53 min 26 s
